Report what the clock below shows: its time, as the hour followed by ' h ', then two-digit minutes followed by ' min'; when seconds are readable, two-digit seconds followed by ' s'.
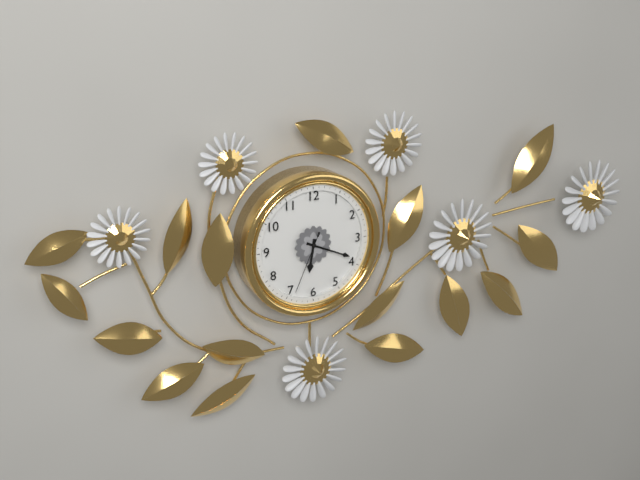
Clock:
6 h 19 min 34 s
